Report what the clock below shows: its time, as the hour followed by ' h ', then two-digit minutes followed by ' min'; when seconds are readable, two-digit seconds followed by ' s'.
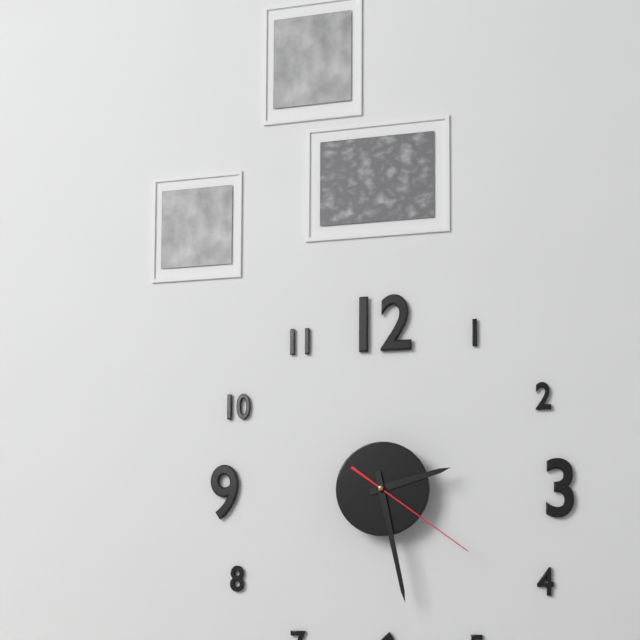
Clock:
2 h 28 min 21 s
